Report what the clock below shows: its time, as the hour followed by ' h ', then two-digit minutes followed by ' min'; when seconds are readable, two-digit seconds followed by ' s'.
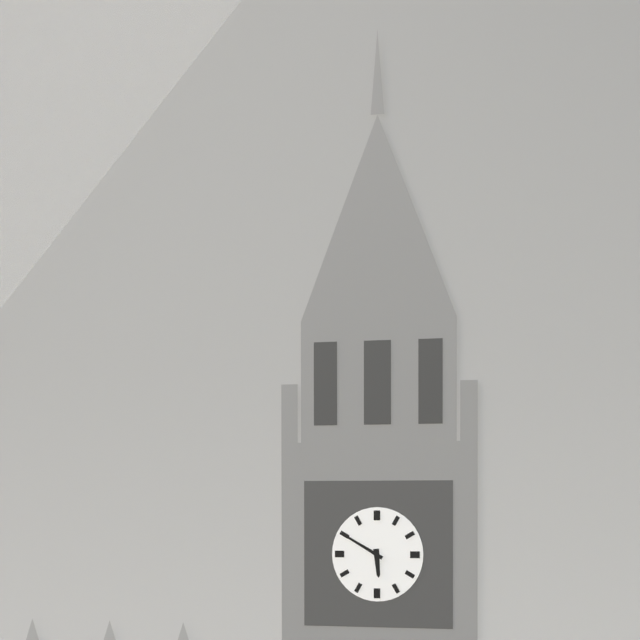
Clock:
5 h 50 min
